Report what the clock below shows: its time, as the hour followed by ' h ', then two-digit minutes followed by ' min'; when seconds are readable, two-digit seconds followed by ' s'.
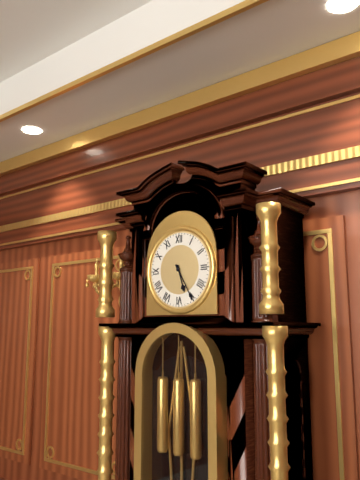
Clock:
5 h 25 min
